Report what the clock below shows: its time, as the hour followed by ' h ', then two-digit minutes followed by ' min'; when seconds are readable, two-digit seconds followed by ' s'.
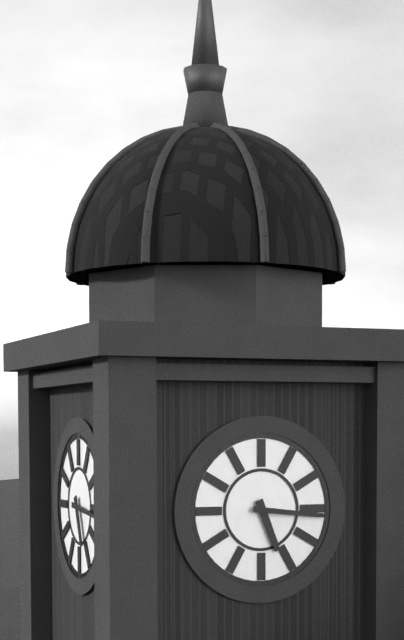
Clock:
5 h 16 min
